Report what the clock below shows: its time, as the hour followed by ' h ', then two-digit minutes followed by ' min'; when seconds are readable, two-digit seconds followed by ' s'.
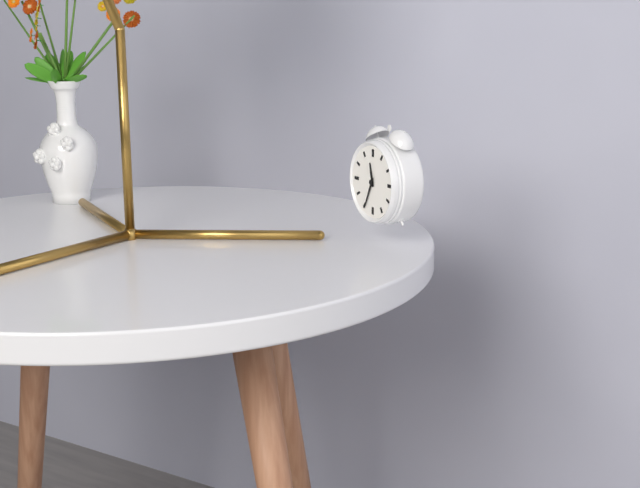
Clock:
11 h 34 min
